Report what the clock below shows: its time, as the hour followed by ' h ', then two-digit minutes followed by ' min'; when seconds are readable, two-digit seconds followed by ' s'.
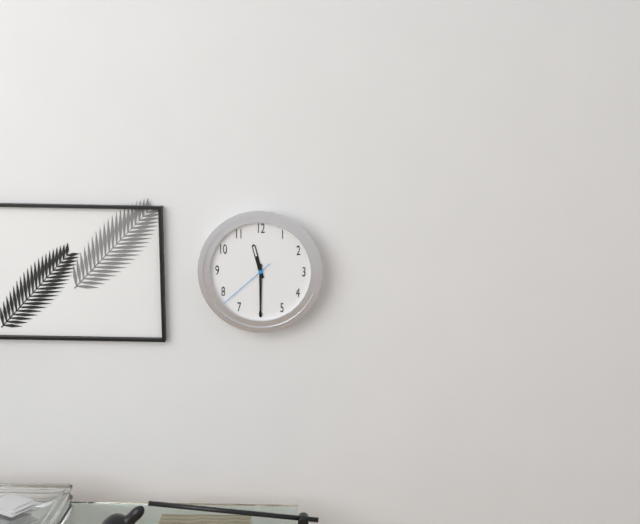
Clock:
11 h 30 min 38 s
